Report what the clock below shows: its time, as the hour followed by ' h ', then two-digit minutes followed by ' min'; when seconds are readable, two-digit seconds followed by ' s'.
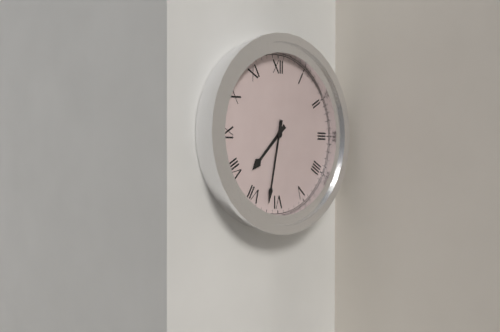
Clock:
7 h 32 min
